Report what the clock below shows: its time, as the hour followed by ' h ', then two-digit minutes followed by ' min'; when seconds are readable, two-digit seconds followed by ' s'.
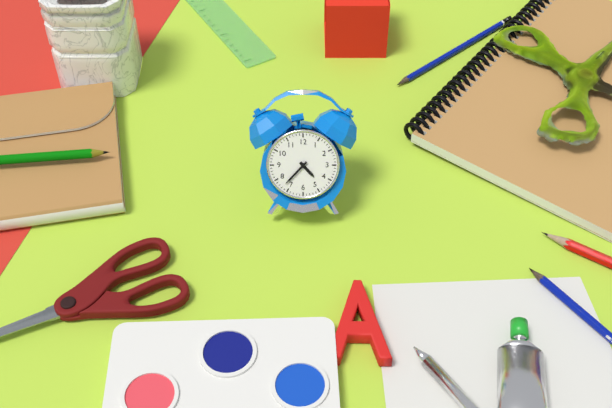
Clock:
4 h 37 min
